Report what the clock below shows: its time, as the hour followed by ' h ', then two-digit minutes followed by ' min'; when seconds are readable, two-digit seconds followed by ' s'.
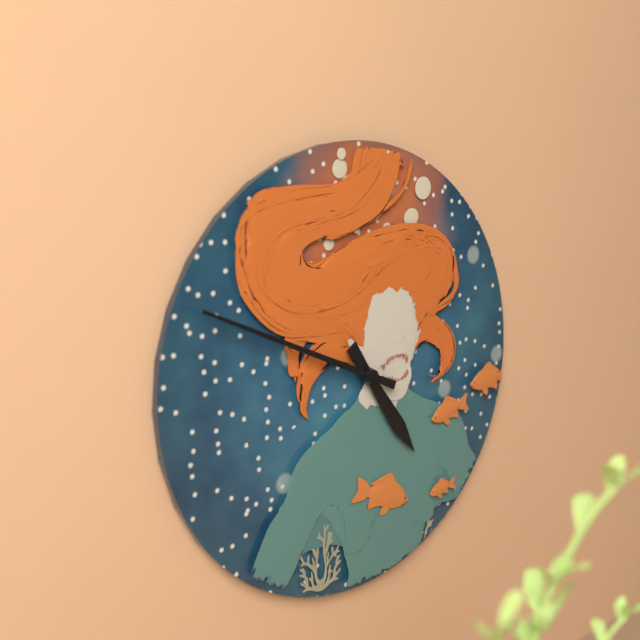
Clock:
4 h 49 min
